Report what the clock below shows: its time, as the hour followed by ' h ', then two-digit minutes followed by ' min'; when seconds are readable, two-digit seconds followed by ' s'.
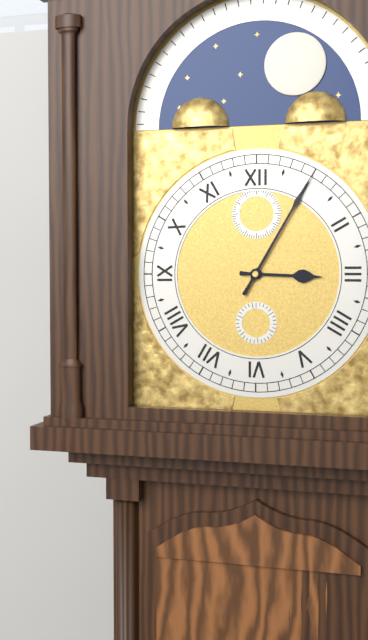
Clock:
3 h 05 min
